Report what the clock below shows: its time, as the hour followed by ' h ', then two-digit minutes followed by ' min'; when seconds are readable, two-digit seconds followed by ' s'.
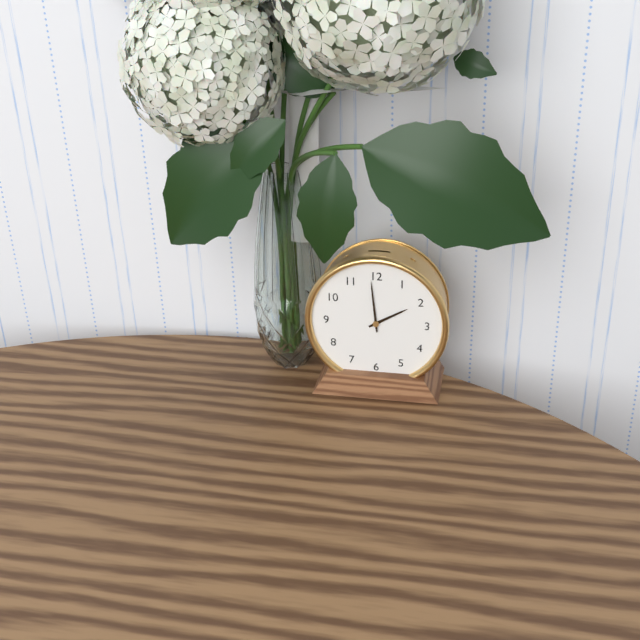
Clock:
1 h 59 min
